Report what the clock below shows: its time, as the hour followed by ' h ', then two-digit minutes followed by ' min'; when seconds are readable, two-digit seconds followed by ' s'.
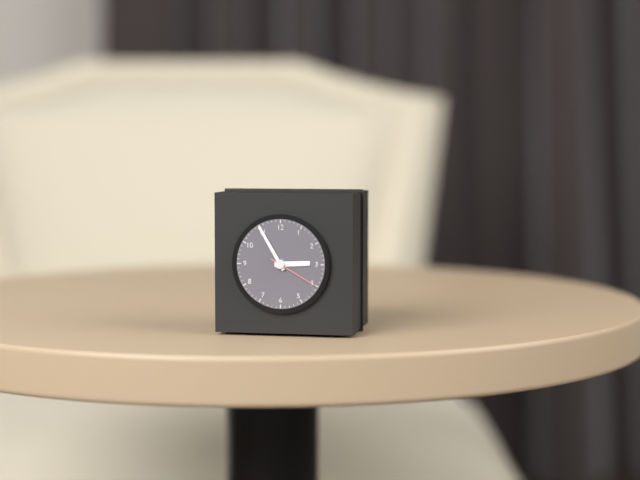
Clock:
2 h 55 min
